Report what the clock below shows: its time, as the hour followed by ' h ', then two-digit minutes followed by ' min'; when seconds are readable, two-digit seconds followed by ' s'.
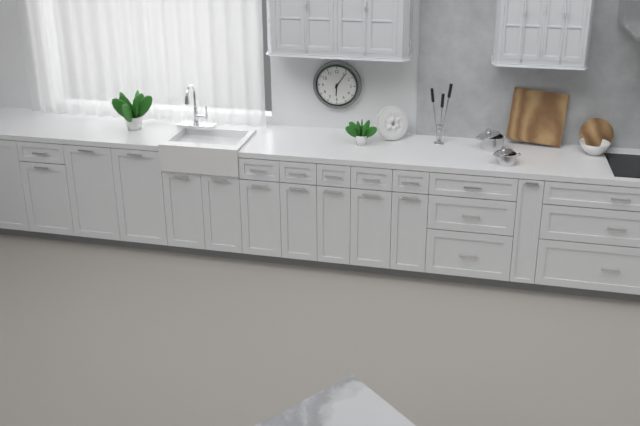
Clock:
6 h 06 min
